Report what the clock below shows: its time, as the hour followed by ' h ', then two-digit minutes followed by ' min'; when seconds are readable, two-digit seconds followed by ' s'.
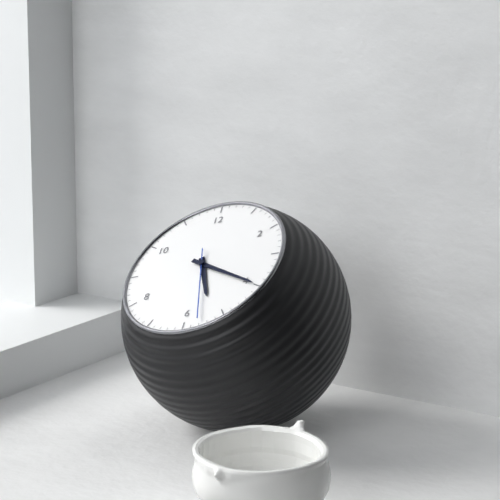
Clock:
5 h 20 min 28 s
